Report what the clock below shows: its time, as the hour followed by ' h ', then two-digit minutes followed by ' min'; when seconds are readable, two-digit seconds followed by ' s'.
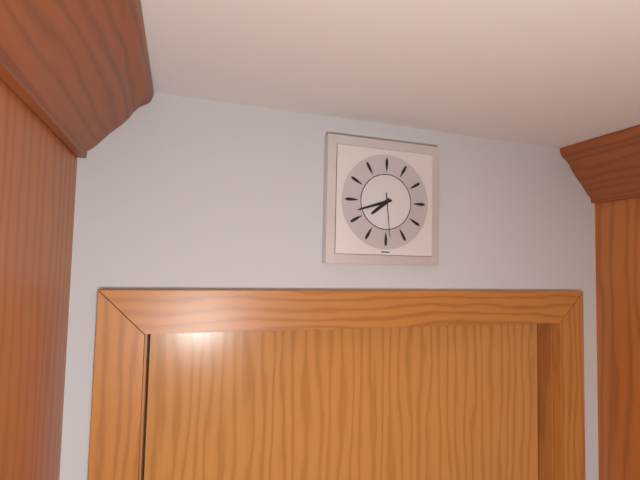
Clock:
7 h 42 min
